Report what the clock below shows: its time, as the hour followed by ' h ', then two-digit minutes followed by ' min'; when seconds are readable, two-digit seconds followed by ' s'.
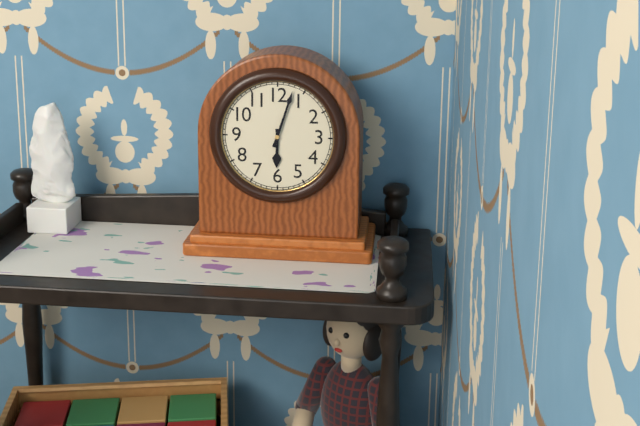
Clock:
6 h 03 min
